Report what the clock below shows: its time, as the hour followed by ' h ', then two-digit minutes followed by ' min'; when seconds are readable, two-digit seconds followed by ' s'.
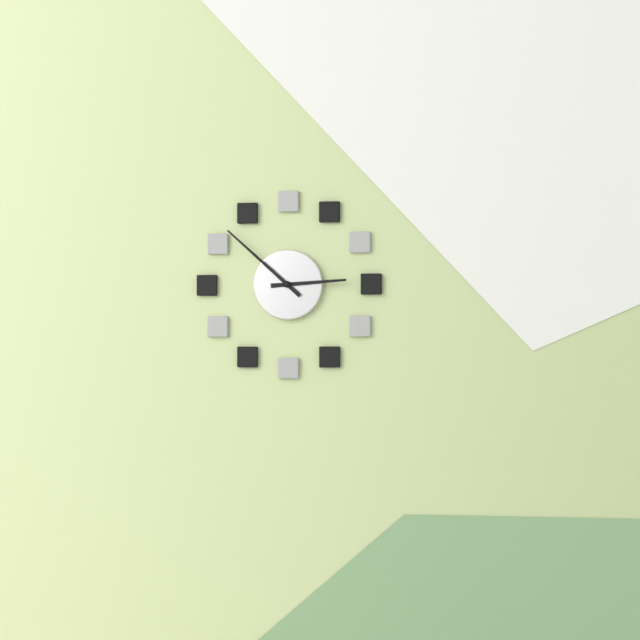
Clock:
2 h 52 min
